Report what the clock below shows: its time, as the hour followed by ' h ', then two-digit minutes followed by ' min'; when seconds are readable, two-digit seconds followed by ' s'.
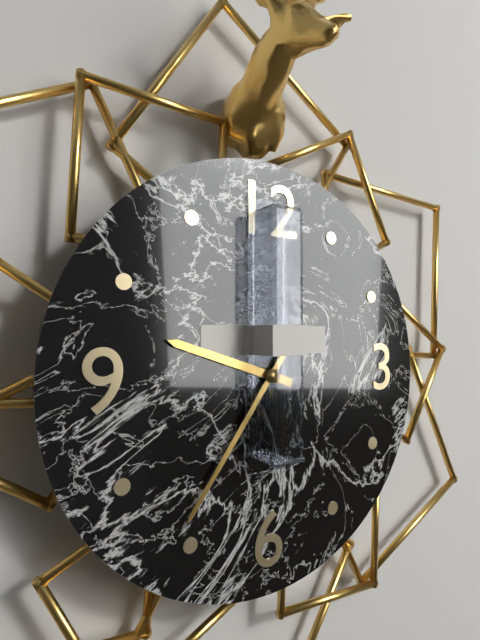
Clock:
9 h 36 min
